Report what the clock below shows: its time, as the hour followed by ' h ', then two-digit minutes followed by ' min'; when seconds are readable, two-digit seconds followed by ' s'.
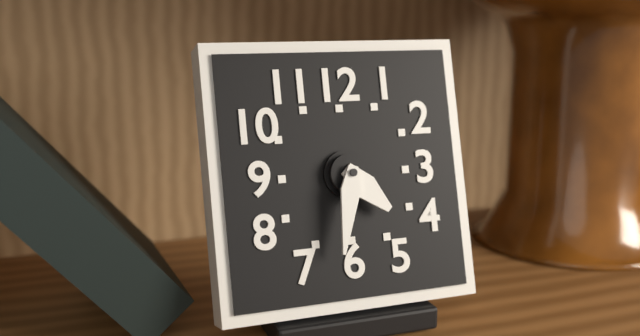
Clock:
4 h 32 min
